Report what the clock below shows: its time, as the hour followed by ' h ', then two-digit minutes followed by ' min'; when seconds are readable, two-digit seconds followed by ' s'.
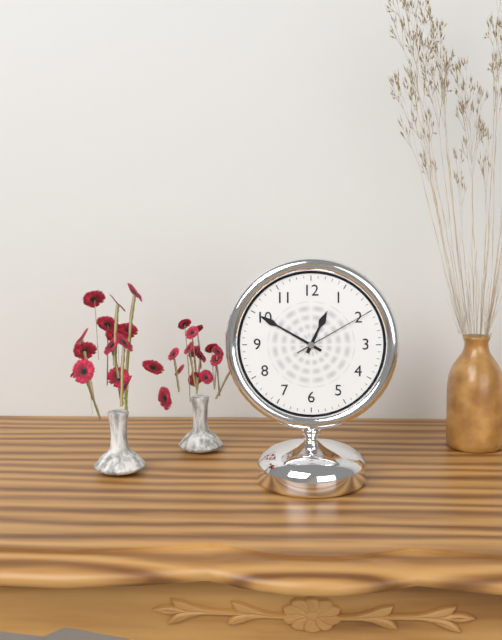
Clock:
12 h 50 min 10 s
